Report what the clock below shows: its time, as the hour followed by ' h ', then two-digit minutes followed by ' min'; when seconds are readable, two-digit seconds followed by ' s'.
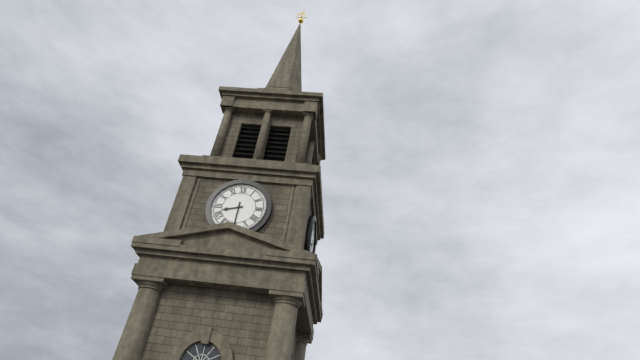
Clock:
8 h 30 min
